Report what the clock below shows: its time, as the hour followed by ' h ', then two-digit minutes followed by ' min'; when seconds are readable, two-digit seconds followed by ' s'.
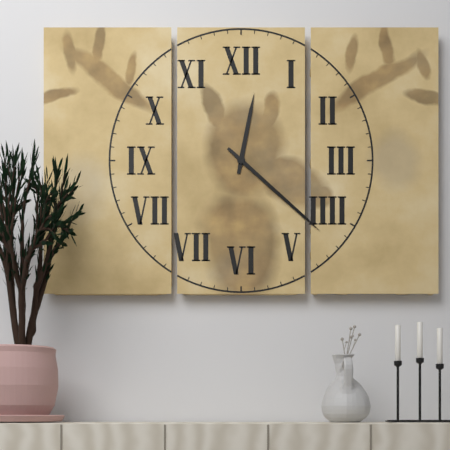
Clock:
12 h 22 min
